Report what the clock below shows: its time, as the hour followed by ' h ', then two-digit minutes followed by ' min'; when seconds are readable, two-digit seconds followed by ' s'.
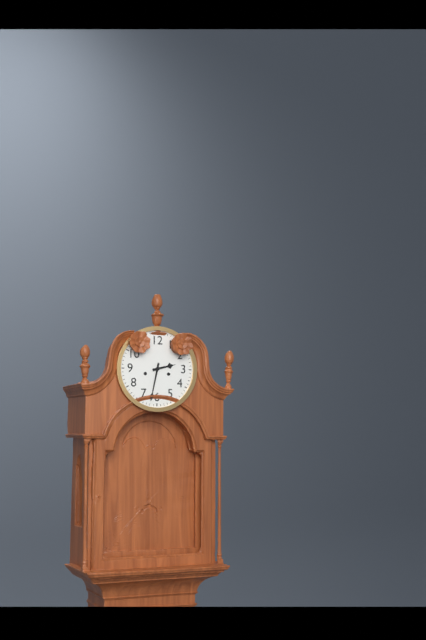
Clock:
2 h 32 min
